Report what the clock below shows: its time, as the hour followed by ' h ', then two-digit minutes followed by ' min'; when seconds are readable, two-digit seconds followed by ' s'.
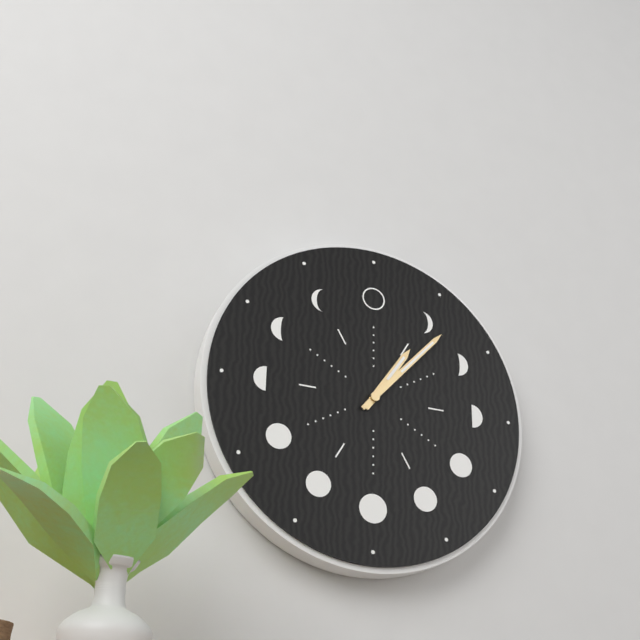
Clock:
1 h 07 min
